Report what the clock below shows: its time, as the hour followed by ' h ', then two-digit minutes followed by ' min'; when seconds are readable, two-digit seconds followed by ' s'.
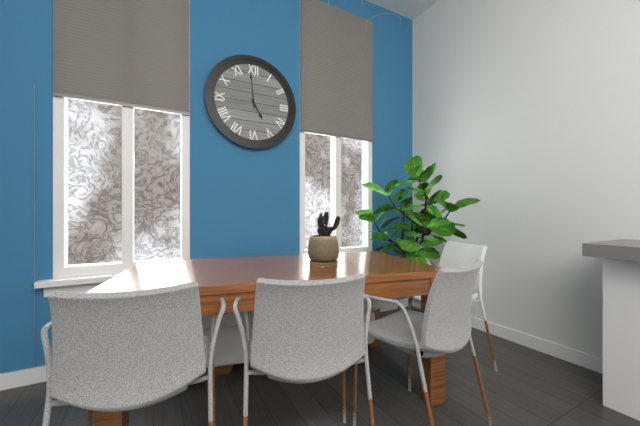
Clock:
4 h 59 min
